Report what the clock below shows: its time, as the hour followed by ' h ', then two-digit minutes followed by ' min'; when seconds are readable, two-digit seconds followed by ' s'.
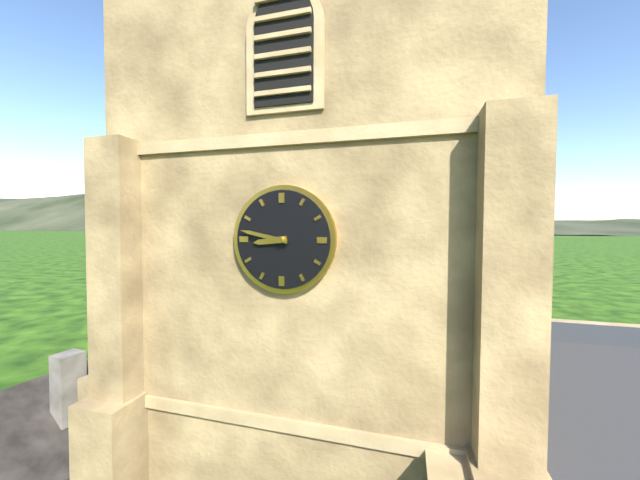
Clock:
8 h 47 min
